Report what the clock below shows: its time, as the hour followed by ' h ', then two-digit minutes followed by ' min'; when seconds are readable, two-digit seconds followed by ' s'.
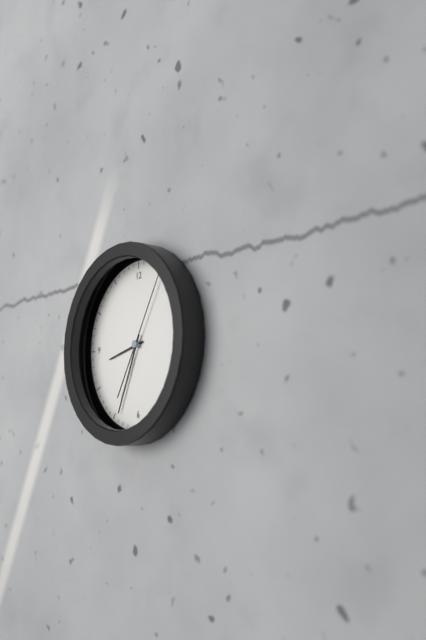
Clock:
8 h 34 min 05 s
